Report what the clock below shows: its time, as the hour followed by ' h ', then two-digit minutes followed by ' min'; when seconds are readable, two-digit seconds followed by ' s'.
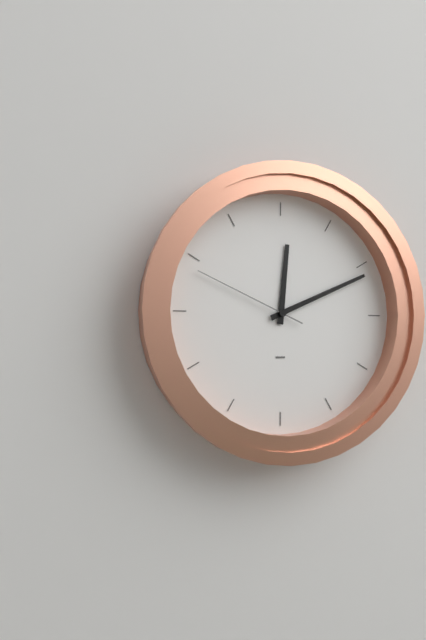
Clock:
12 h 11 min 49 s
